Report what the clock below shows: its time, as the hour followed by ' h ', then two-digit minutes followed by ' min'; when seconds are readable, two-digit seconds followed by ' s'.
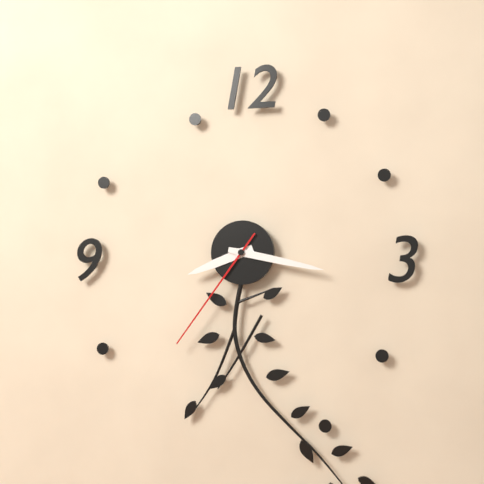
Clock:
8 h 17 min 36 s
